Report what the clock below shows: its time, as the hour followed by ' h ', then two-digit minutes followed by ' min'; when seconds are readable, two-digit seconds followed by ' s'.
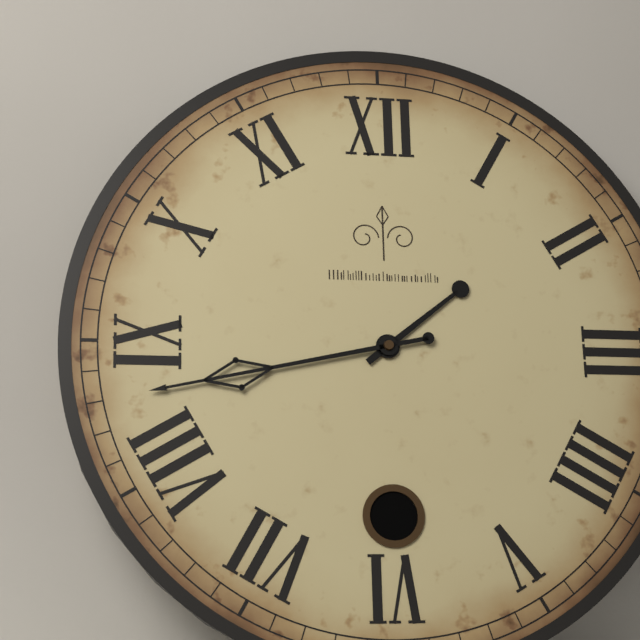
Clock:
1 h 43 min
